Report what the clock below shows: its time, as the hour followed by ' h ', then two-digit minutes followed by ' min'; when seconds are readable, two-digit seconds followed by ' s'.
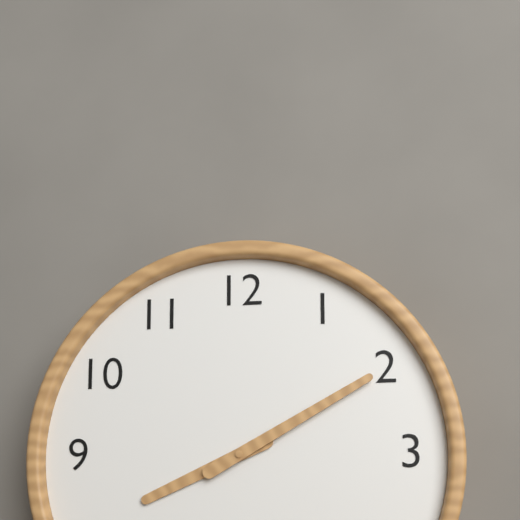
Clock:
8 h 10 min
